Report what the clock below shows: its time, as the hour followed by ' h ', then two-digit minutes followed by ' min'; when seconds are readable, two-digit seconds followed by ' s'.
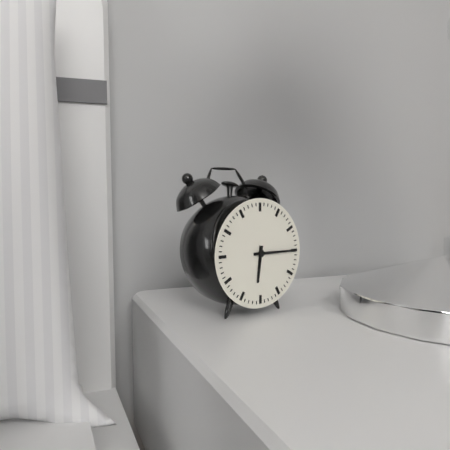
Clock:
6 h 15 min
